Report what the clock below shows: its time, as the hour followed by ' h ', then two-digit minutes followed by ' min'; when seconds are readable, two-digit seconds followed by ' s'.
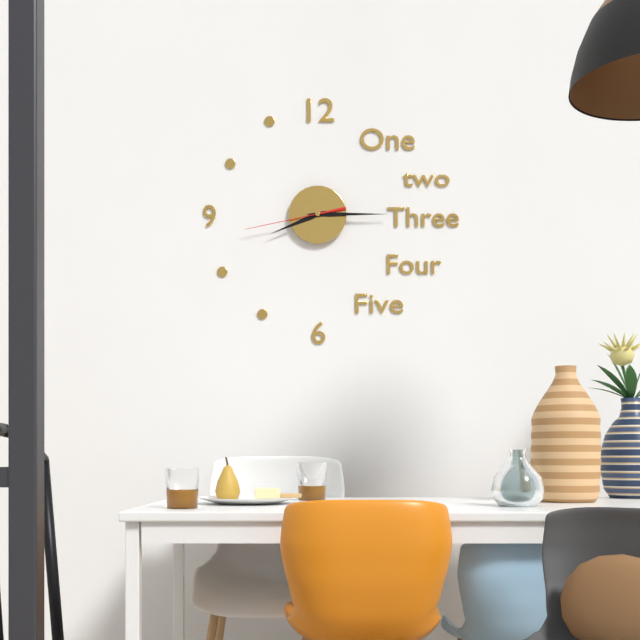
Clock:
8 h 15 min 43 s
